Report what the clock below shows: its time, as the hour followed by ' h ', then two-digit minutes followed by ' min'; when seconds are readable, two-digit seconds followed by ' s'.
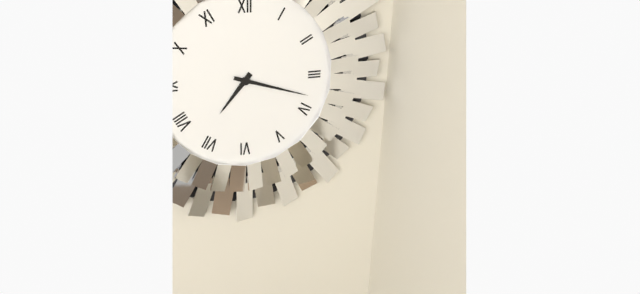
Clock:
7 h 18 min
